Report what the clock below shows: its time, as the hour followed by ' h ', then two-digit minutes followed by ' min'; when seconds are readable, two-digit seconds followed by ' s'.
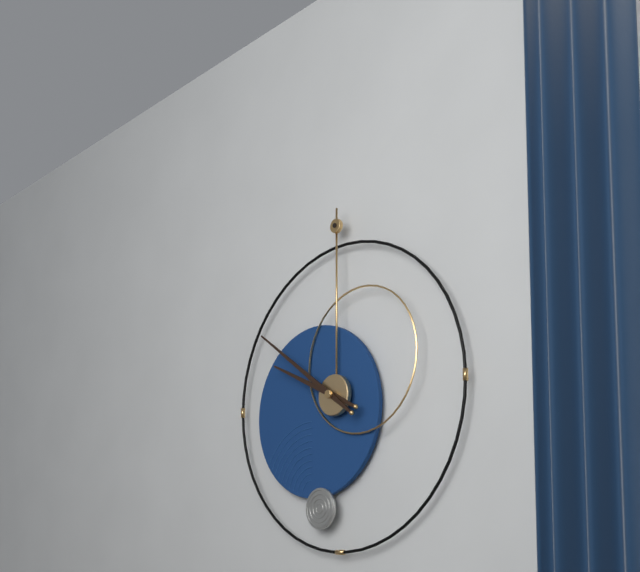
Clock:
9 h 51 min
